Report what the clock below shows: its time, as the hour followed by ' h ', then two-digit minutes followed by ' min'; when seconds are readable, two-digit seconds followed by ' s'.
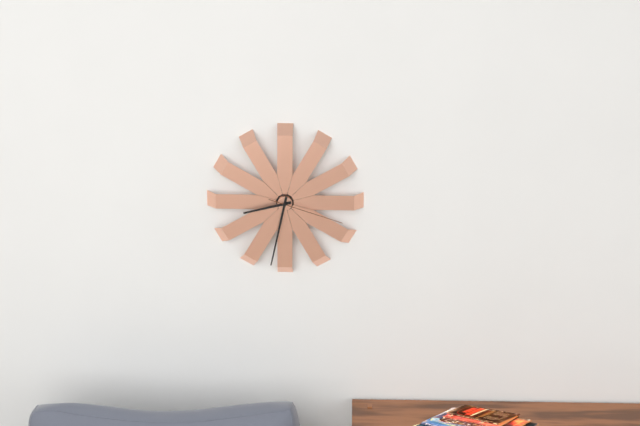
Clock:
8 h 32 min 18 s
